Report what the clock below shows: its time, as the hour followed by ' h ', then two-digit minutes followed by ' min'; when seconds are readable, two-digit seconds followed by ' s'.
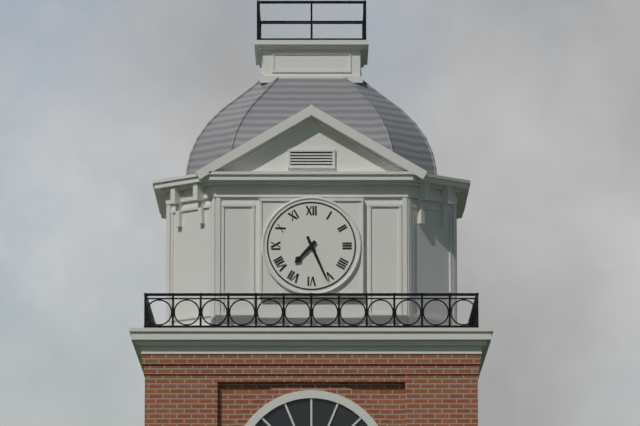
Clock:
7 h 26 min
